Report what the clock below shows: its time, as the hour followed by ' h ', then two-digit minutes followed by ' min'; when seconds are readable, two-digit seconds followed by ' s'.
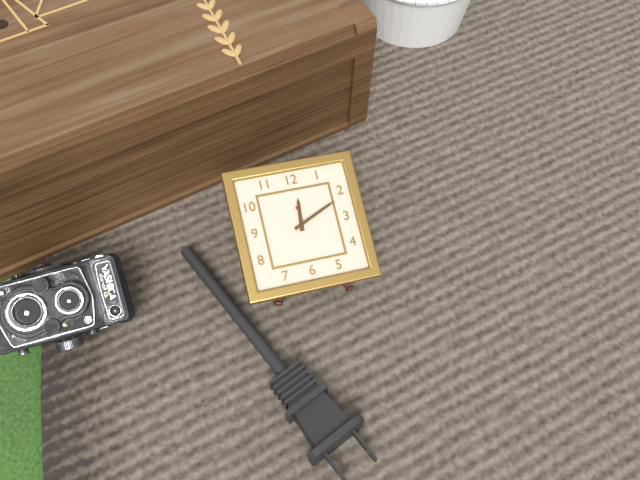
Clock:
12 h 11 min
